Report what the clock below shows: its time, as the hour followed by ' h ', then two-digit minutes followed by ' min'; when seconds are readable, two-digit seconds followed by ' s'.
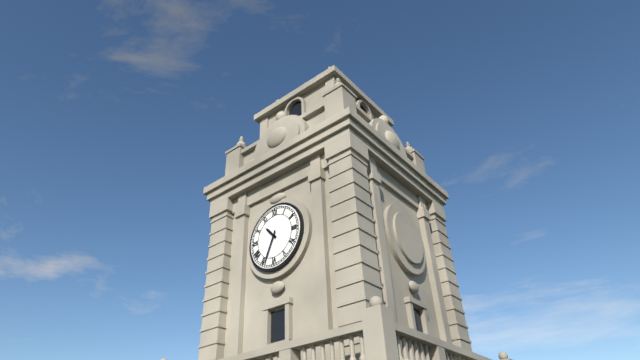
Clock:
10 h 34 min
